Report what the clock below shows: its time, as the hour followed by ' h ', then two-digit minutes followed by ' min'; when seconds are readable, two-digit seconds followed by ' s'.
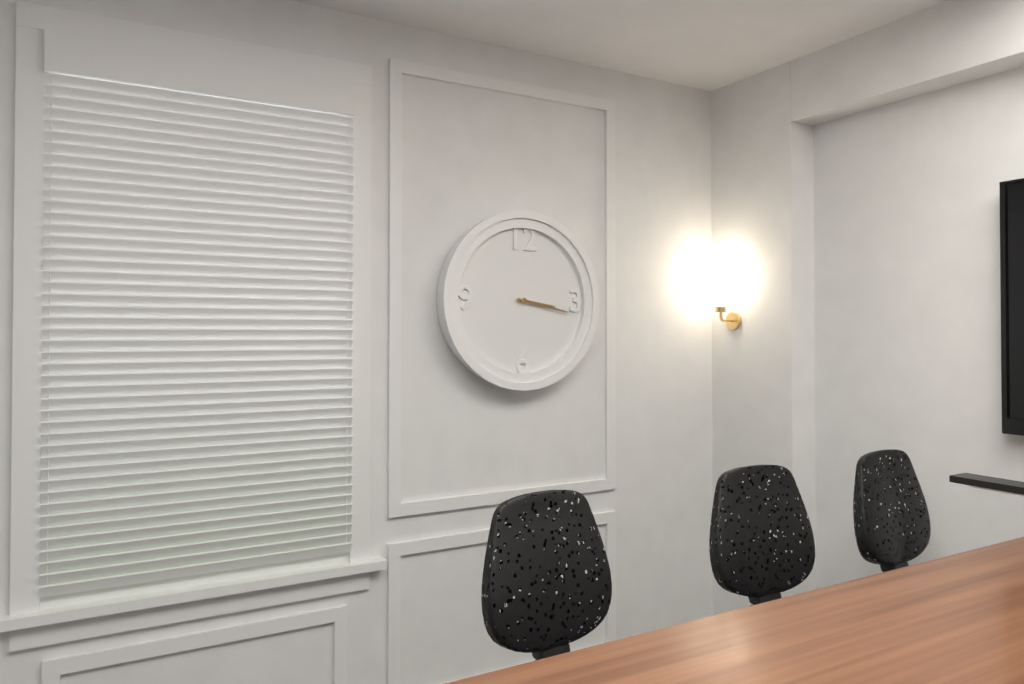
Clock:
3 h 17 min
